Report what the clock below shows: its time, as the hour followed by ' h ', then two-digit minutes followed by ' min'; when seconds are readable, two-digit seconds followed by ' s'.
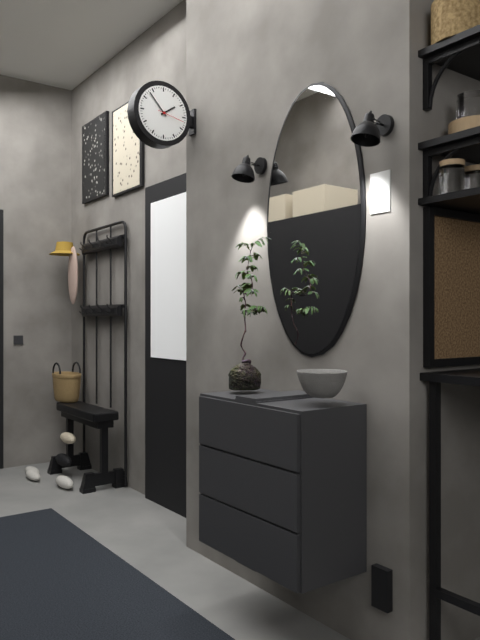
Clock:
1 h 53 min
